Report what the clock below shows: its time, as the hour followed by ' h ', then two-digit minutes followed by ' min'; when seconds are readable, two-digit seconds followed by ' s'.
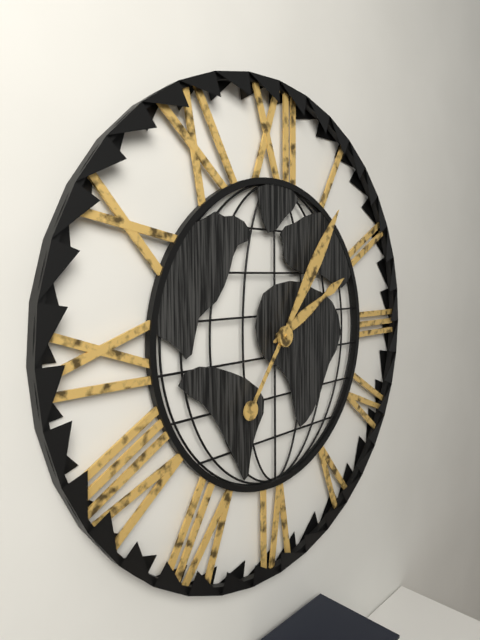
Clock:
2 h 06 min
